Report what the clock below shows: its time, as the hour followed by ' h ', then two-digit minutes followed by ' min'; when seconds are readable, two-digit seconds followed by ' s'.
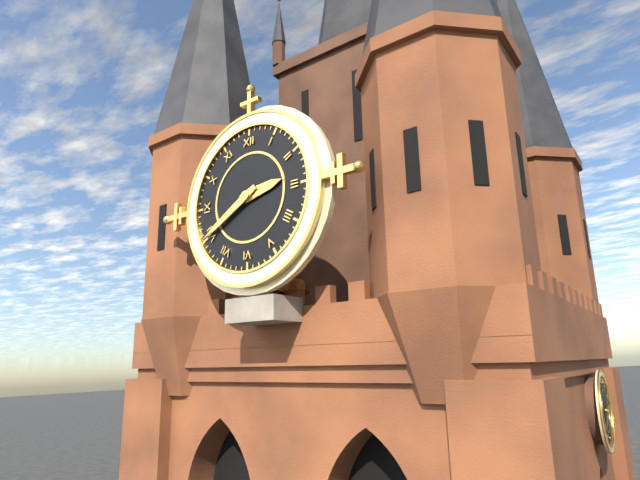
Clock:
2 h 40 min
